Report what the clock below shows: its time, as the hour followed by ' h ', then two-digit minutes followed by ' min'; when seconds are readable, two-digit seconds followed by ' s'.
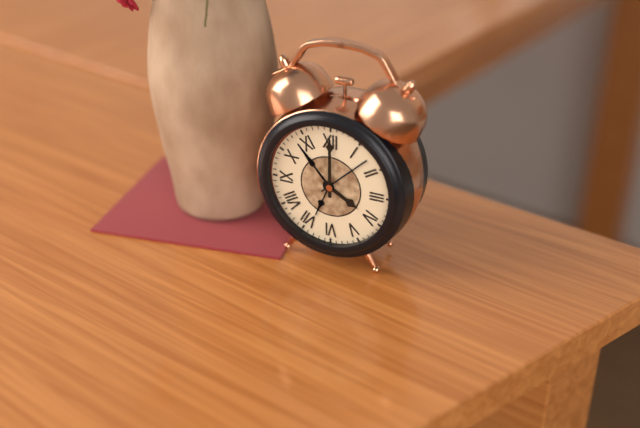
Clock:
4 h 00 min
